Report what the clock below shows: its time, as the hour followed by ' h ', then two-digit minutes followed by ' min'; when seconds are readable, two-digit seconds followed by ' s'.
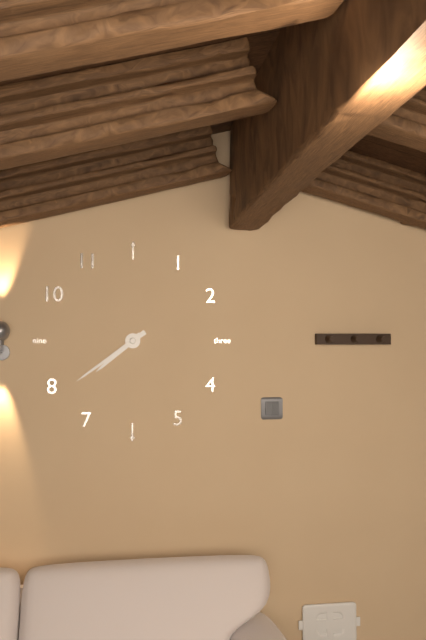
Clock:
7 h 39 min
